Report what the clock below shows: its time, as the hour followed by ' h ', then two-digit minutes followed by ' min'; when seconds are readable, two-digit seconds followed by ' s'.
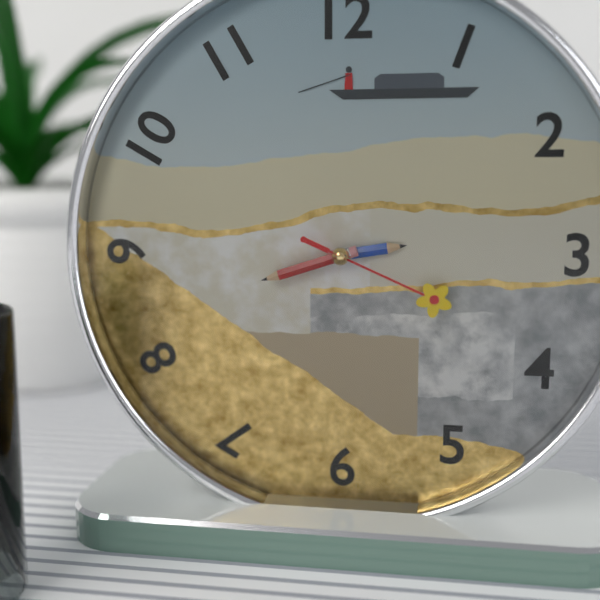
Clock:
2 h 42 min 19 s
